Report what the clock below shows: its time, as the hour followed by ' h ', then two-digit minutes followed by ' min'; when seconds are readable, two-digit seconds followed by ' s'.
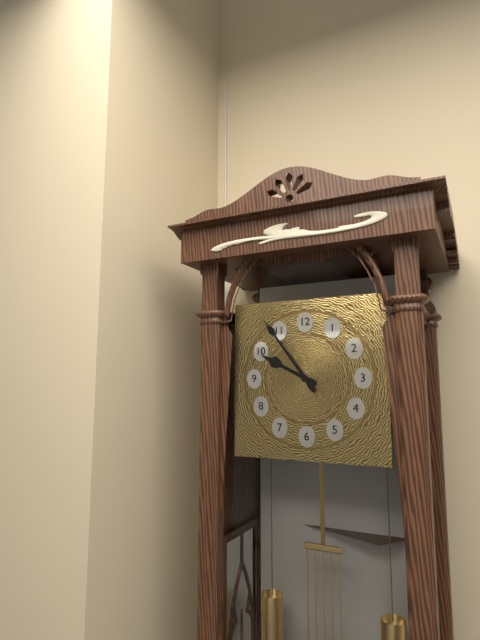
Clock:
9 h 54 min
